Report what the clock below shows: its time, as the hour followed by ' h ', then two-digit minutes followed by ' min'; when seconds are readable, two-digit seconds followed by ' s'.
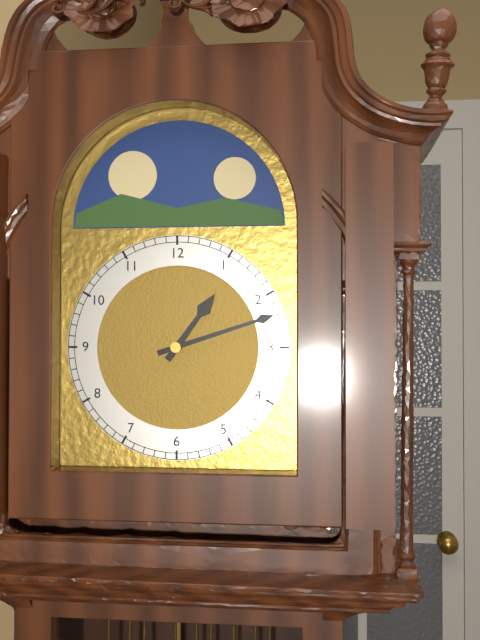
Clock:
1 h 12 min
